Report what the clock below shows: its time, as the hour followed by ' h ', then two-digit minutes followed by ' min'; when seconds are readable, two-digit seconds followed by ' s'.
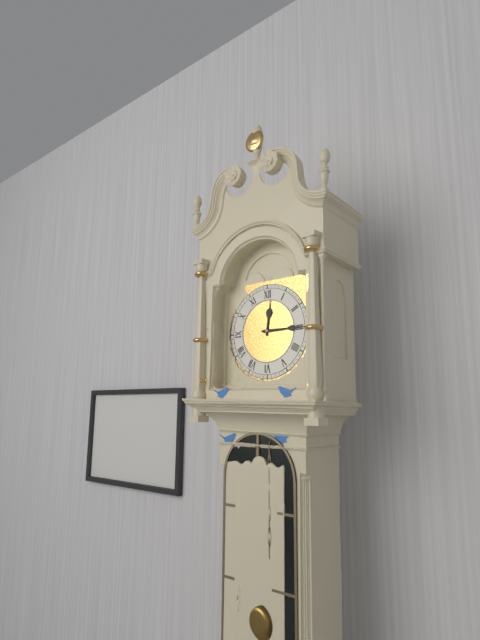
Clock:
12 h 15 min
